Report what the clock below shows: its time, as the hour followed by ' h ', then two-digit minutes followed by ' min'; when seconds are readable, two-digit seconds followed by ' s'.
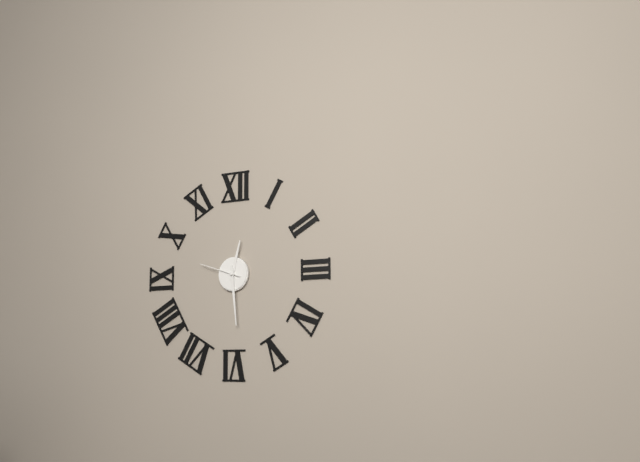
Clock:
12 h 29 min
